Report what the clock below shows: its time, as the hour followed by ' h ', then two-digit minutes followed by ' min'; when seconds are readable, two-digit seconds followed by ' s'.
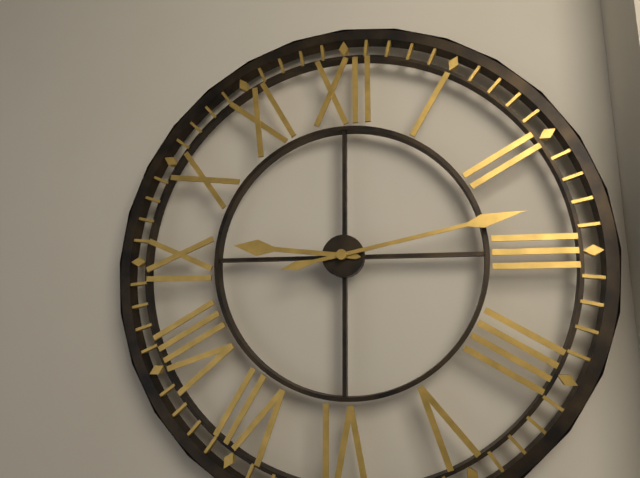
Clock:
9 h 13 min
